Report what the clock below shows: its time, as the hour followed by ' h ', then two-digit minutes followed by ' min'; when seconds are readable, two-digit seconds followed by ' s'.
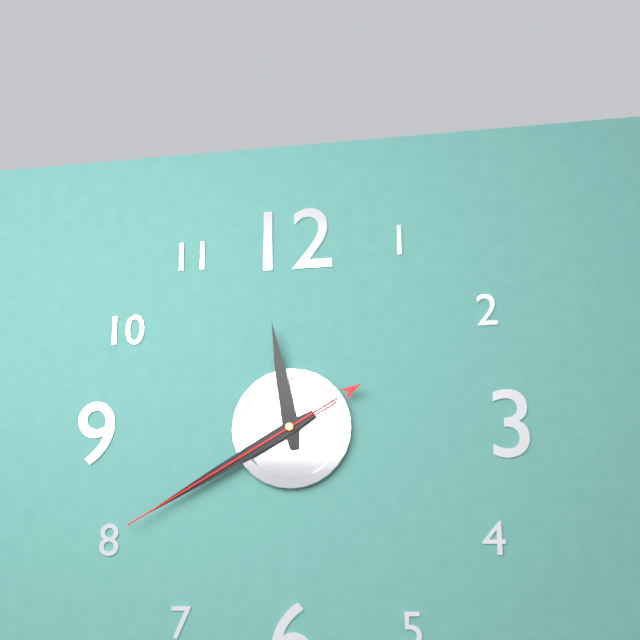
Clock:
11 h 40 min 40 s
